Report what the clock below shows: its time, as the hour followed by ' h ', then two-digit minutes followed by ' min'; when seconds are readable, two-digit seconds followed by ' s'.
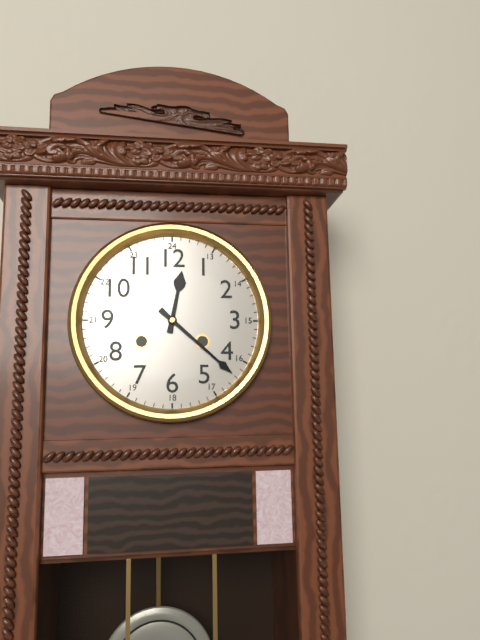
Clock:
12 h 22 min
